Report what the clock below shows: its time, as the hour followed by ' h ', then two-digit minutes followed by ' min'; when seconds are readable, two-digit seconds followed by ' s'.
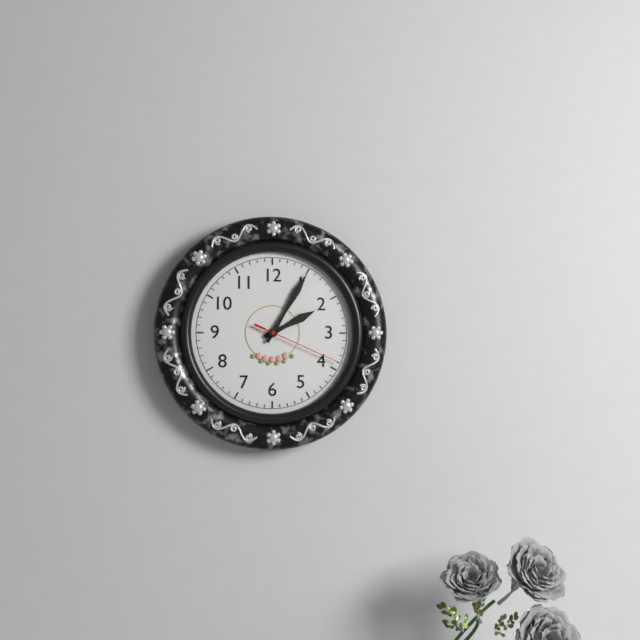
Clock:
2 h 05 min 19 s
